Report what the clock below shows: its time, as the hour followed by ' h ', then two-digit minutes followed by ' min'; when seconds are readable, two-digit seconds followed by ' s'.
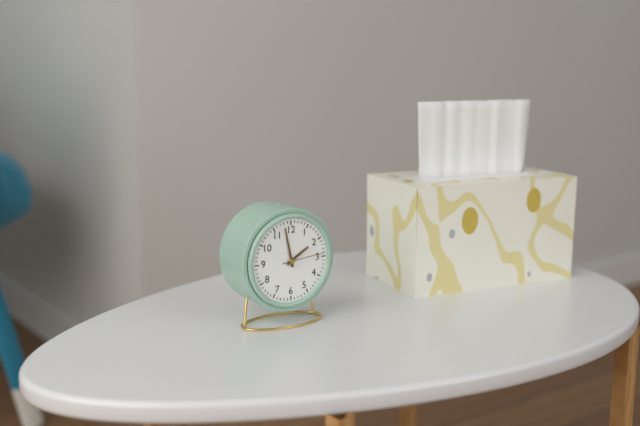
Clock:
1 h 58 min
